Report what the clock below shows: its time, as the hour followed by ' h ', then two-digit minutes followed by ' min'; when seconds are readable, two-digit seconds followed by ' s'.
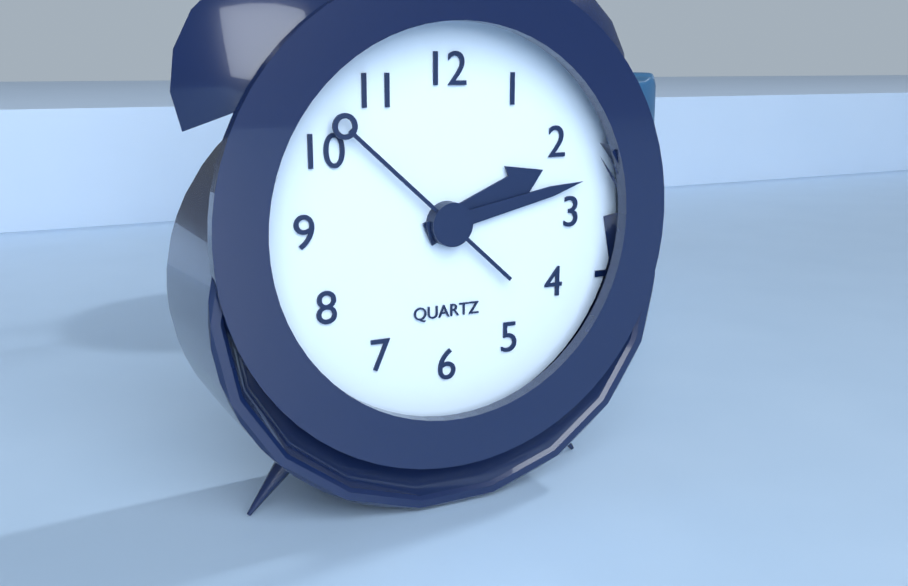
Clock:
2 h 13 min 52 s
